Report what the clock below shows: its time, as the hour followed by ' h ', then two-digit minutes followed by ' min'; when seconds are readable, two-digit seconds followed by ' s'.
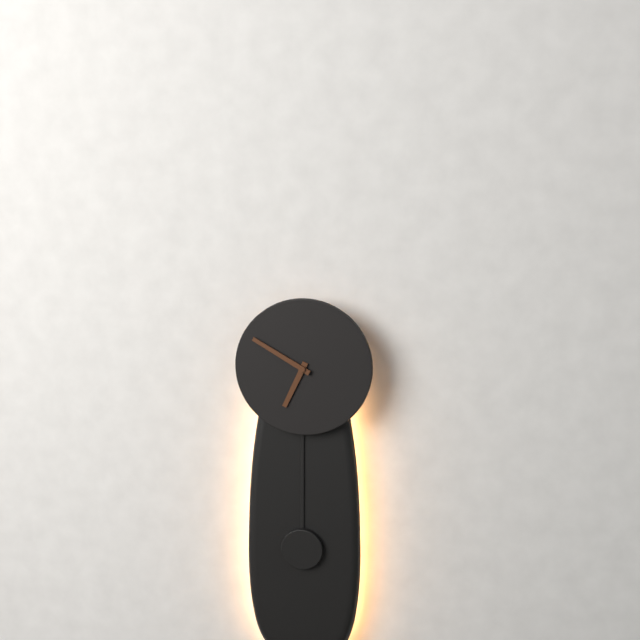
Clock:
6 h 50 min
